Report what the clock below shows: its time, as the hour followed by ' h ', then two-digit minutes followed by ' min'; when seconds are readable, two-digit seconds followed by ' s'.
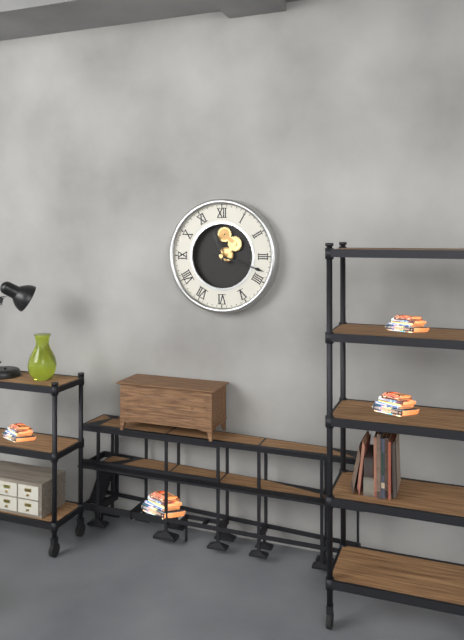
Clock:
11 h 18 min
